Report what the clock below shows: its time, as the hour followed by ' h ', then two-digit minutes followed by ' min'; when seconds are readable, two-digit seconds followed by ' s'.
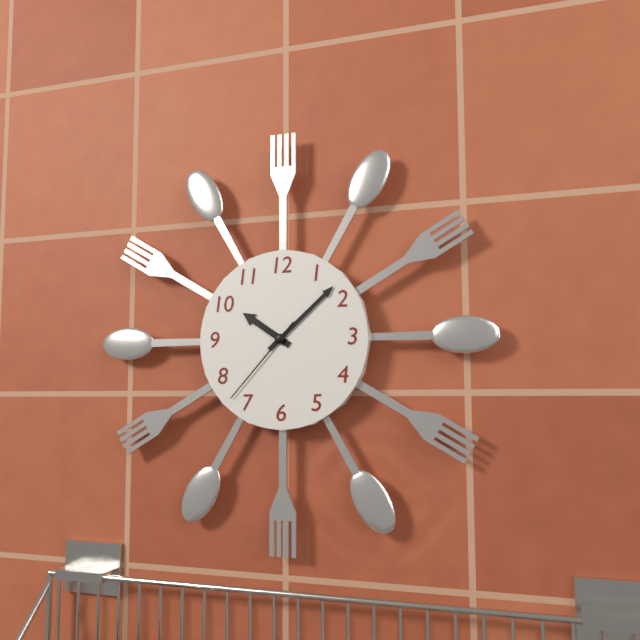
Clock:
10 h 08 min 37 s
